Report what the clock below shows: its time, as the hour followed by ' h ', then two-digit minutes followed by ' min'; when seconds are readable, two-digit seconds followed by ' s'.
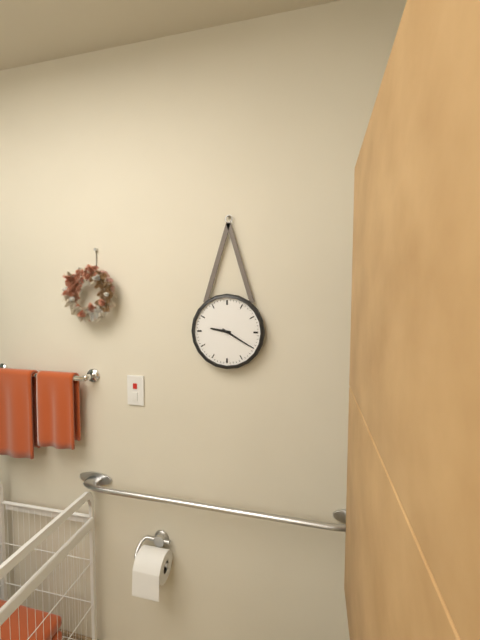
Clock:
9 h 20 min
